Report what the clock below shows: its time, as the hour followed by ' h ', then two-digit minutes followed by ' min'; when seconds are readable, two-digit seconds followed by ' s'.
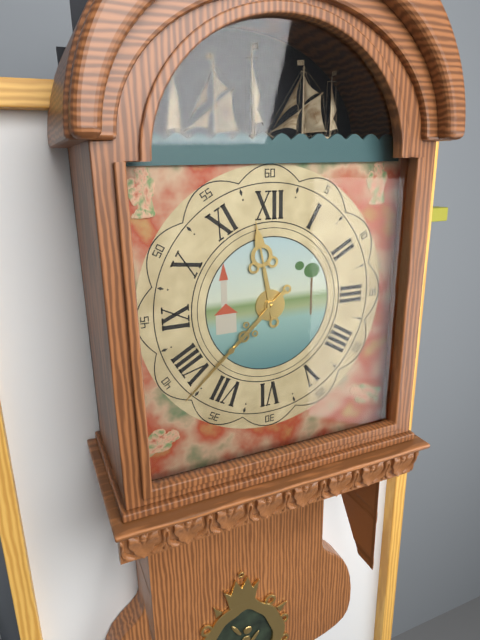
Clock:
11 h 38 min
